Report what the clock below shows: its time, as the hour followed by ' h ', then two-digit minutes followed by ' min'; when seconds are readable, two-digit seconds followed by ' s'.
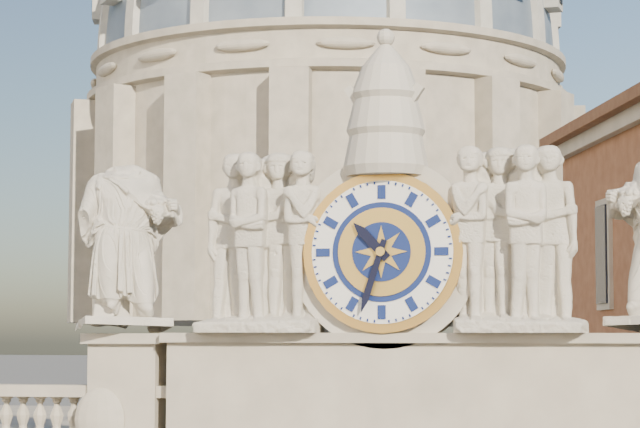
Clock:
10 h 33 min
